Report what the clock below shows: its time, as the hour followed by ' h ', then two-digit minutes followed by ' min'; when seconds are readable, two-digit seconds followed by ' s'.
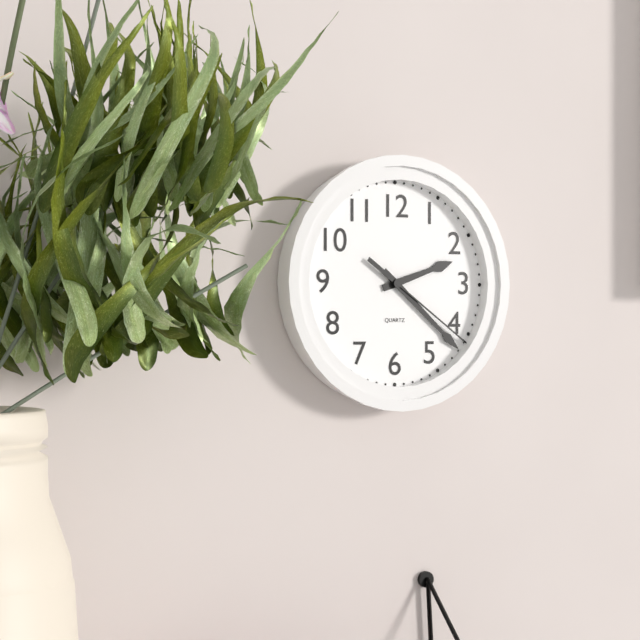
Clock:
2 h 22 min 21 s
